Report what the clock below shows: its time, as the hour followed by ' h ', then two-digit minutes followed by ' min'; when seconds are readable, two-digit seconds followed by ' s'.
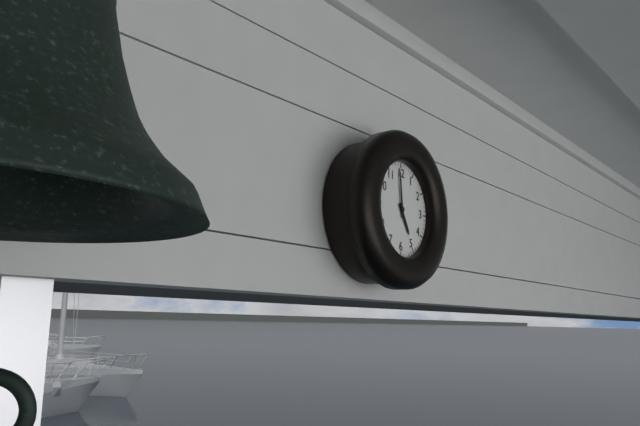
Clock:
4 h 59 min
